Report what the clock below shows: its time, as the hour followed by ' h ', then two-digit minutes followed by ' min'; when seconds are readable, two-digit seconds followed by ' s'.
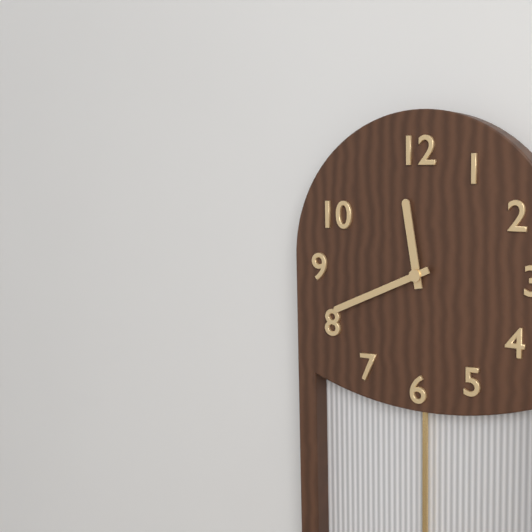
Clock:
11 h 41 min
